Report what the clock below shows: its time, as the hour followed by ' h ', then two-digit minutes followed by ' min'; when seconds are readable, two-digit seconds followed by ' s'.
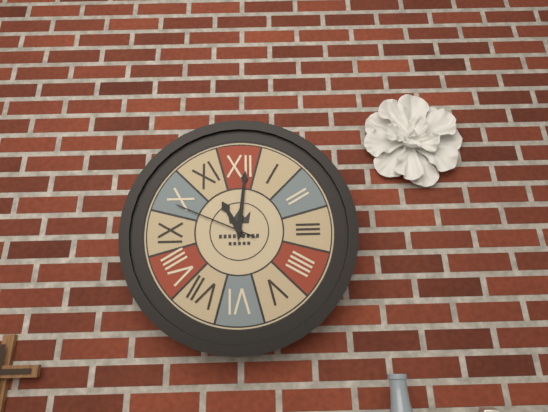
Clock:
11 h 01 min 49 s
